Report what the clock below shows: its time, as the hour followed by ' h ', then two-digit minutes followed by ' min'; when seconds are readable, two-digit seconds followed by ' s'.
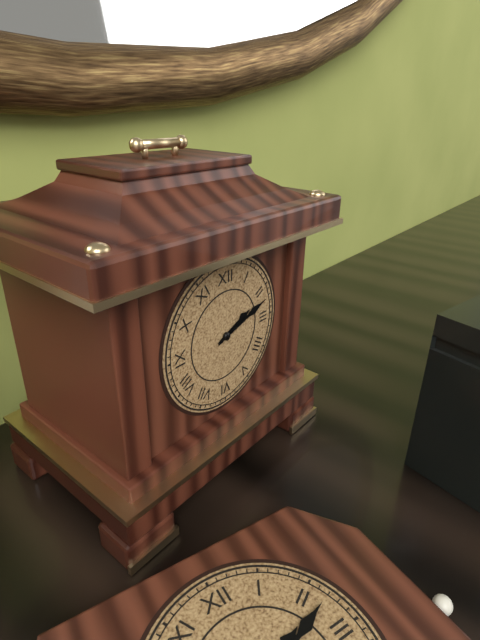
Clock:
2 h 12 min
